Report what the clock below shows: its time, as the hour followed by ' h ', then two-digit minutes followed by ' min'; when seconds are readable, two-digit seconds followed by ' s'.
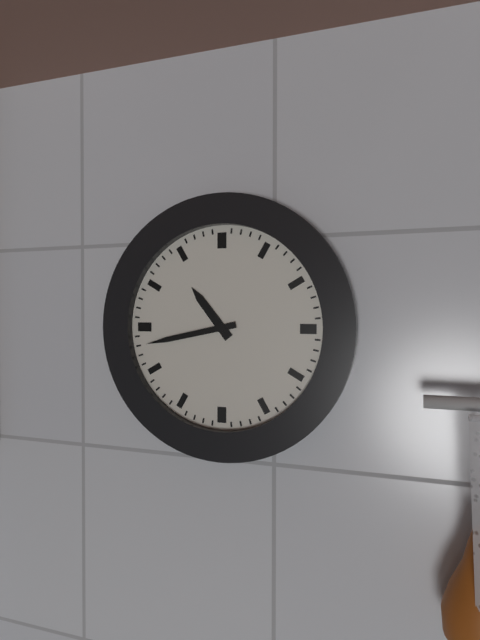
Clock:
10 h 43 min
